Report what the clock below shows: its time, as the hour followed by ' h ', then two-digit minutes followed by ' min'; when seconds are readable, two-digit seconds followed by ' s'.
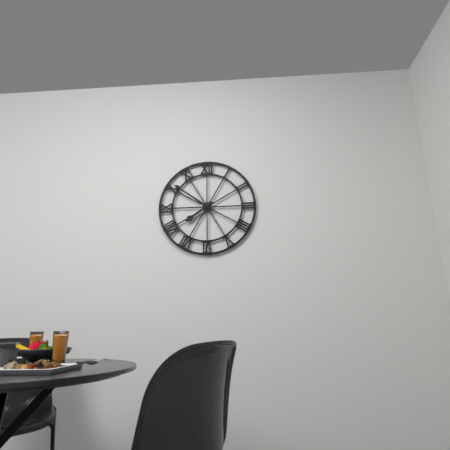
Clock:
7 h 51 min
